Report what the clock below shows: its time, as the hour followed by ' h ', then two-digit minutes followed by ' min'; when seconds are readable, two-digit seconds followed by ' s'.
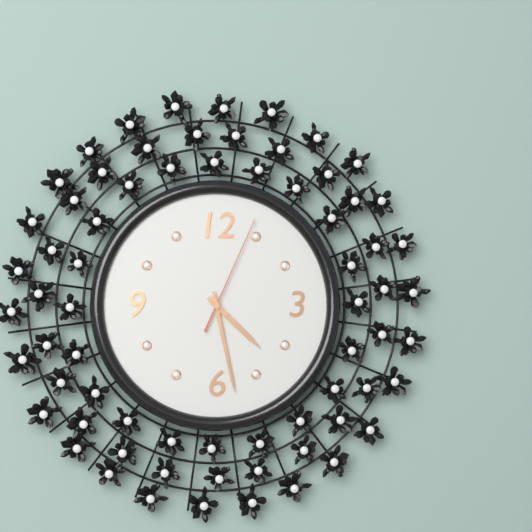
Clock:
4 h 28 min 04 s
